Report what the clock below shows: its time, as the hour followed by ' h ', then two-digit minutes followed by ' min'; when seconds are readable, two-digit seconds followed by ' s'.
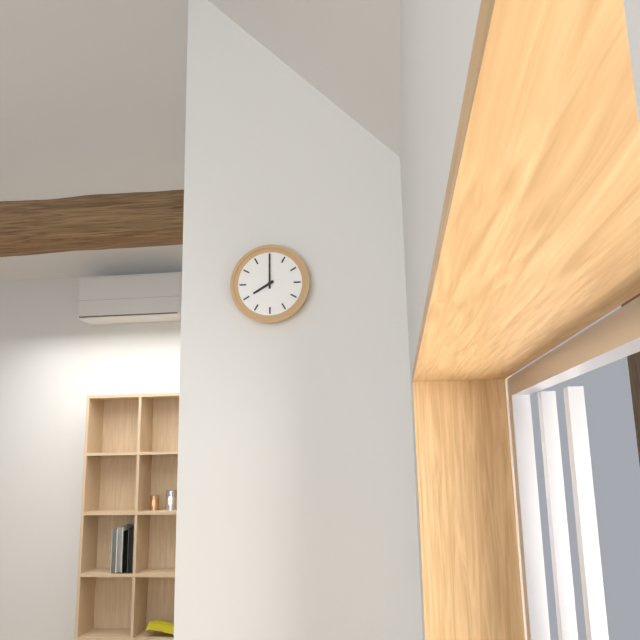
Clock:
8 h 00 min
